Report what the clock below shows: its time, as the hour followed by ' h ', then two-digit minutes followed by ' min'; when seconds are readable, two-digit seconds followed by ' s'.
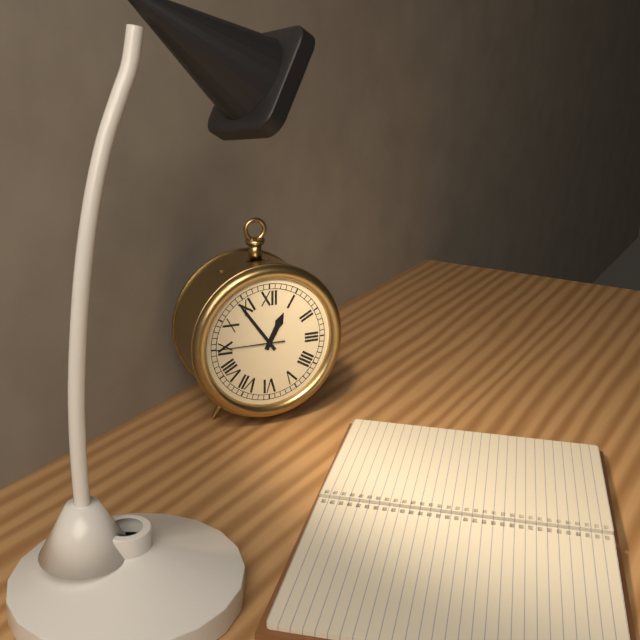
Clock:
12 h 54 min 45 s
